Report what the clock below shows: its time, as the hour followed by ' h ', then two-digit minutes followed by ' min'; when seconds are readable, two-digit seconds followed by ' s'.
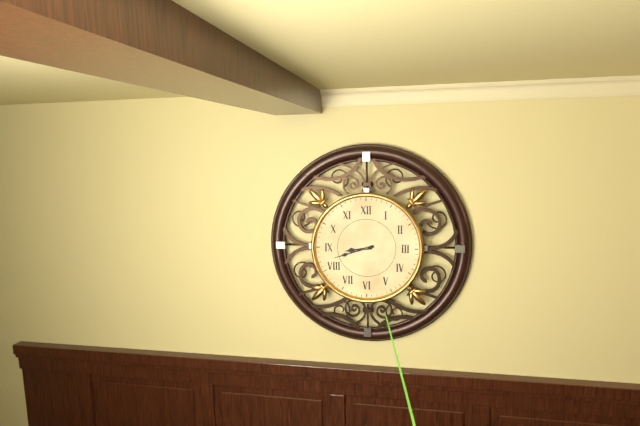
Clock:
8 h 42 min
